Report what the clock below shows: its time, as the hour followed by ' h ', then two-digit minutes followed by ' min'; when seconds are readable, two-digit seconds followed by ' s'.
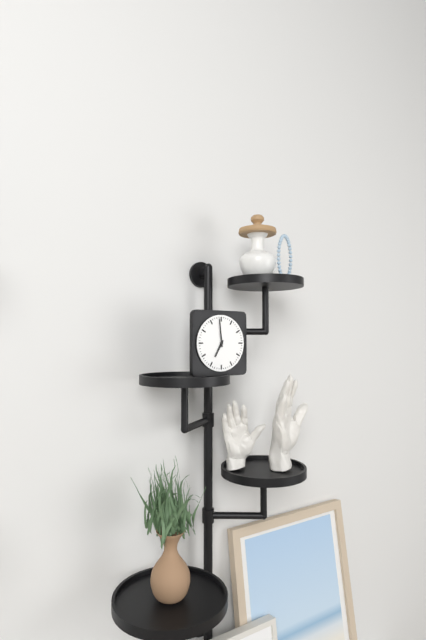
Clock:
6 h 59 min
